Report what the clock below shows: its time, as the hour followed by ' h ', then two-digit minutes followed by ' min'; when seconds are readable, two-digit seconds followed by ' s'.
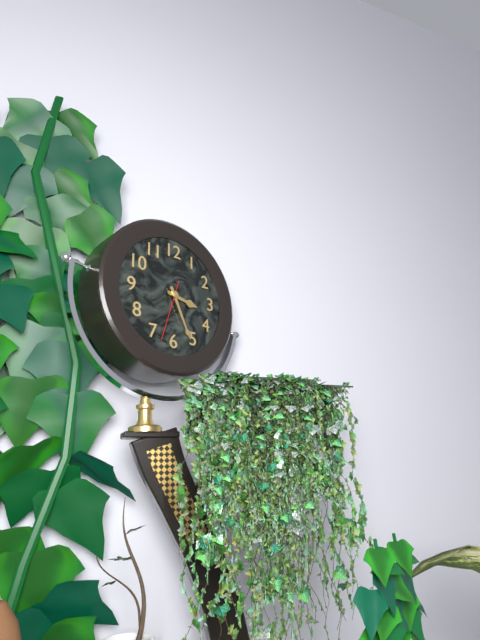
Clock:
3 h 26 min 33 s
